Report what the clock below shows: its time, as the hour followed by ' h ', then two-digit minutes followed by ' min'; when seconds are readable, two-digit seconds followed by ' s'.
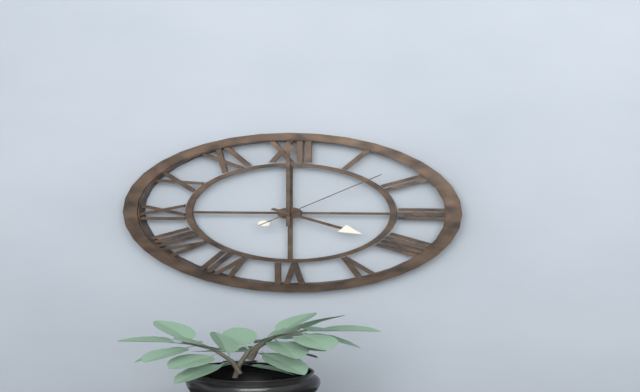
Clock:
4 h 00 min 08 s
